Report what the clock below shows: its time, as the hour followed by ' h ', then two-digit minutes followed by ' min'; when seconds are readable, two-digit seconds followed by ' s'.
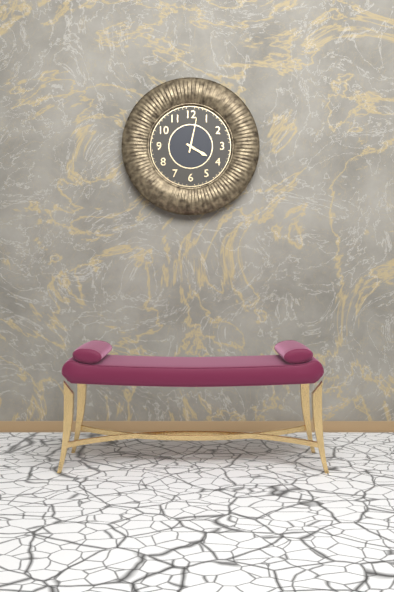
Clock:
4 h 02 min
